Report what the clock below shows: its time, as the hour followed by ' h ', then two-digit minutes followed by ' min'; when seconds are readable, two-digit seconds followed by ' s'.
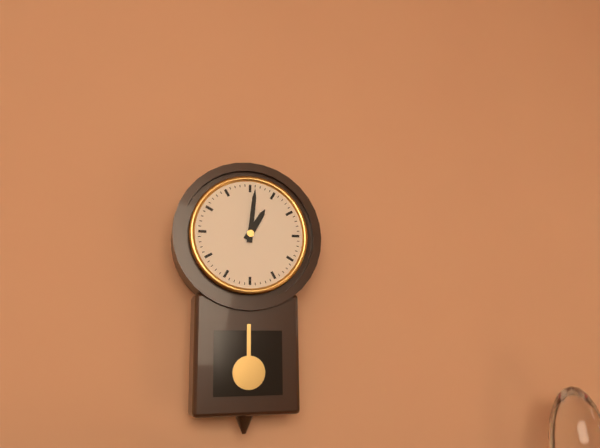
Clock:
1 h 01 min
